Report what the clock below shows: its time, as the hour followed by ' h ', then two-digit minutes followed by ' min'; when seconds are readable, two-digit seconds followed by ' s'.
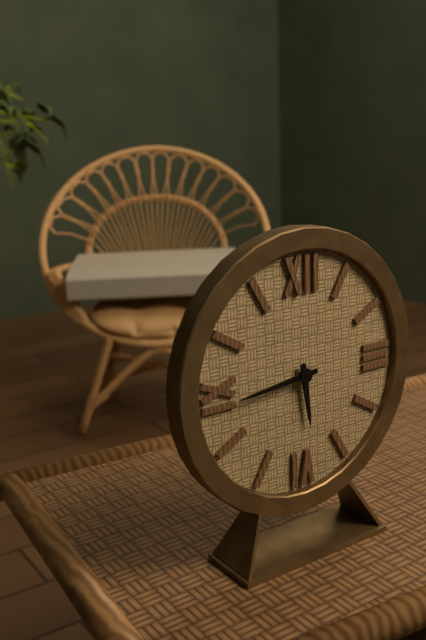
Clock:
5 h 44 min
